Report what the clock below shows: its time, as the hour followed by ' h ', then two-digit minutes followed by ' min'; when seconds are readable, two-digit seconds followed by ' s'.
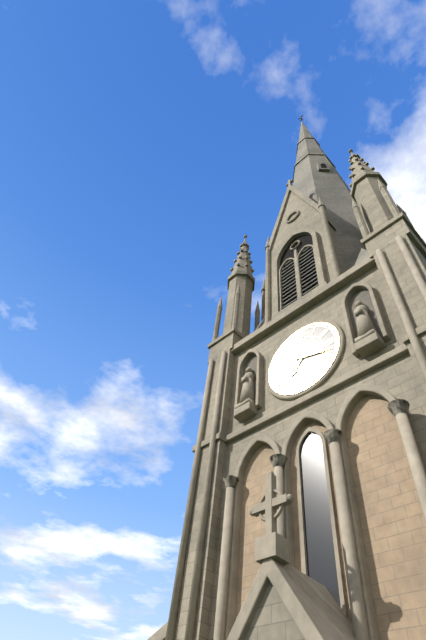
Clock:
7 h 18 min
